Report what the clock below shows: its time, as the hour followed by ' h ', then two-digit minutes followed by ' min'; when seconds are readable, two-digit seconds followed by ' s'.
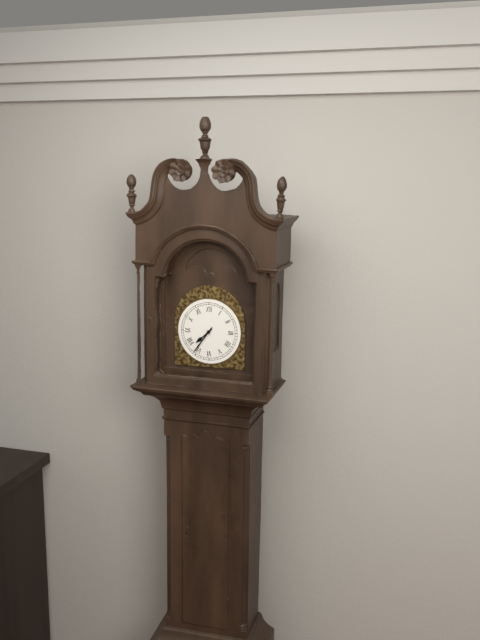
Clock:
7 h 36 min
